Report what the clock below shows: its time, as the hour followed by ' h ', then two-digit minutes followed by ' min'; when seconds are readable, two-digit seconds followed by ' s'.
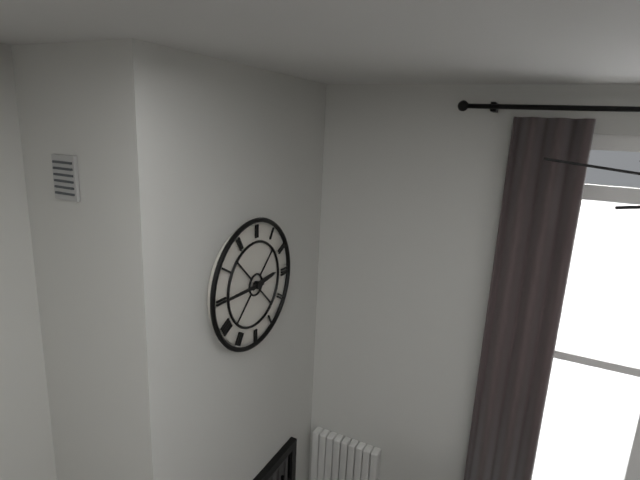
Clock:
2 h 45 min
